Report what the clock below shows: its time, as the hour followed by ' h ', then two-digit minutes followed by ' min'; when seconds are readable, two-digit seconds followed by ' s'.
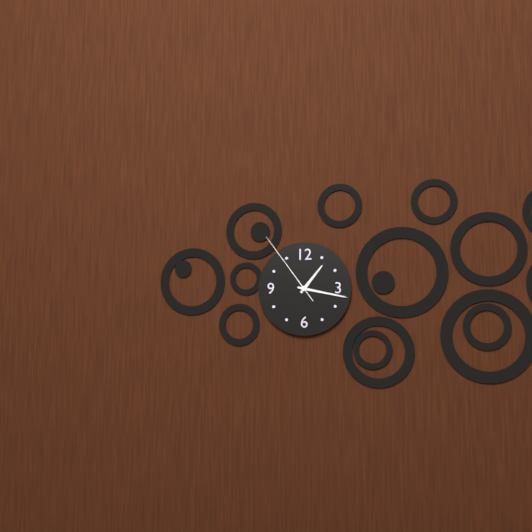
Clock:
1 h 17 min 54 s
